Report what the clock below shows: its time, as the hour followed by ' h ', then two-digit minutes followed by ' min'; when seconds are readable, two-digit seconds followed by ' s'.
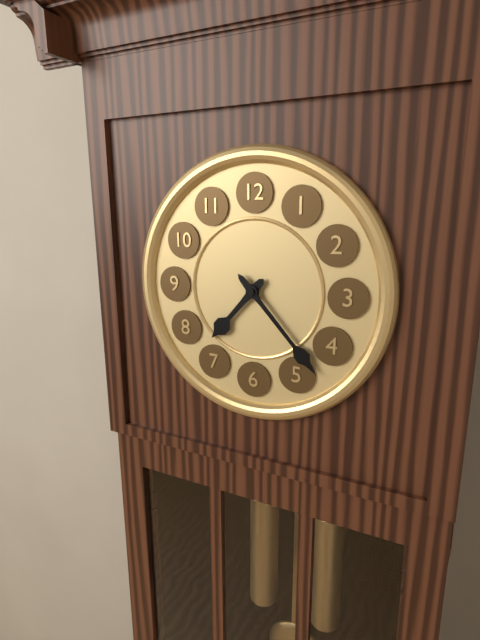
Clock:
7 h 23 min
